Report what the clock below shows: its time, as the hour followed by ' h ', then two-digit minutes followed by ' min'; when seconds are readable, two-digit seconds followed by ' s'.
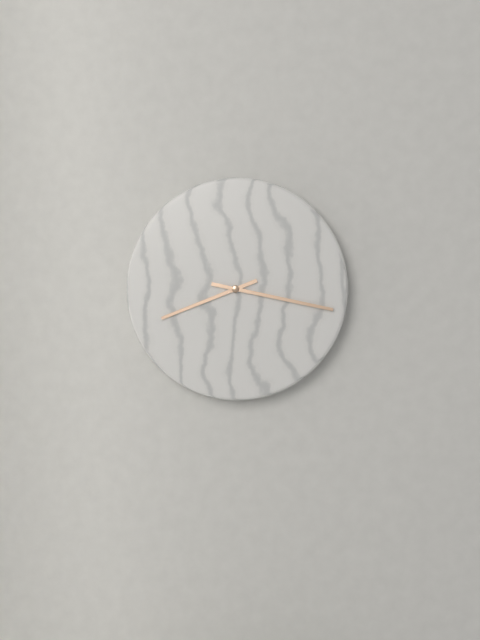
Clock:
8 h 17 min
